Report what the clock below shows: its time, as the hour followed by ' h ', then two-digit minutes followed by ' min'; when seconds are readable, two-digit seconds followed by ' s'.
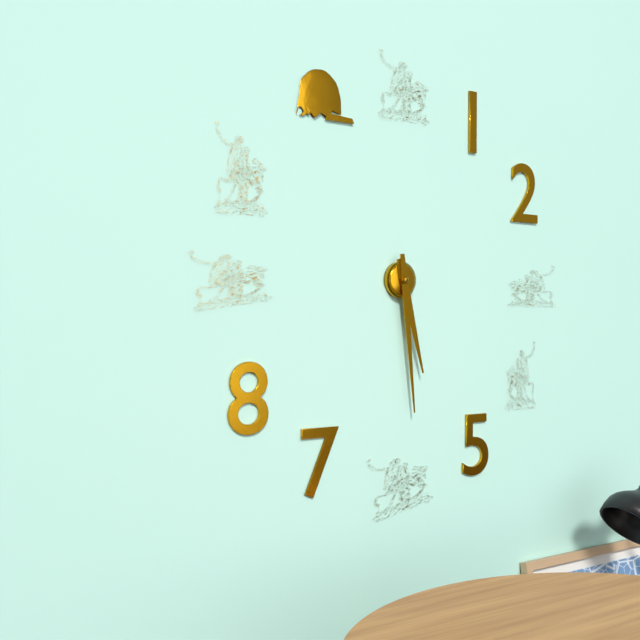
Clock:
5 h 29 min
